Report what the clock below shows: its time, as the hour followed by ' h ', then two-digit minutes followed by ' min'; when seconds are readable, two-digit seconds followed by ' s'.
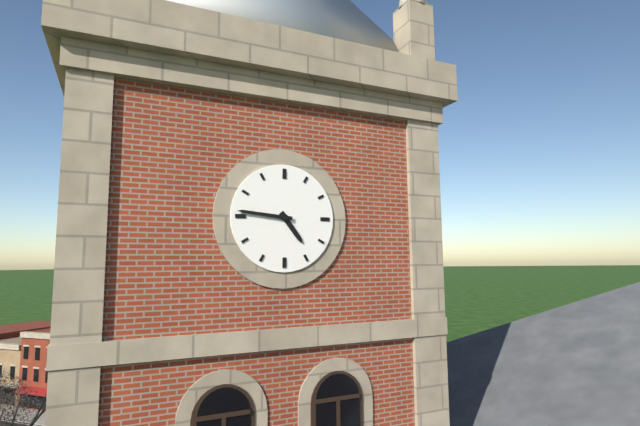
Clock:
4 h 46 min
